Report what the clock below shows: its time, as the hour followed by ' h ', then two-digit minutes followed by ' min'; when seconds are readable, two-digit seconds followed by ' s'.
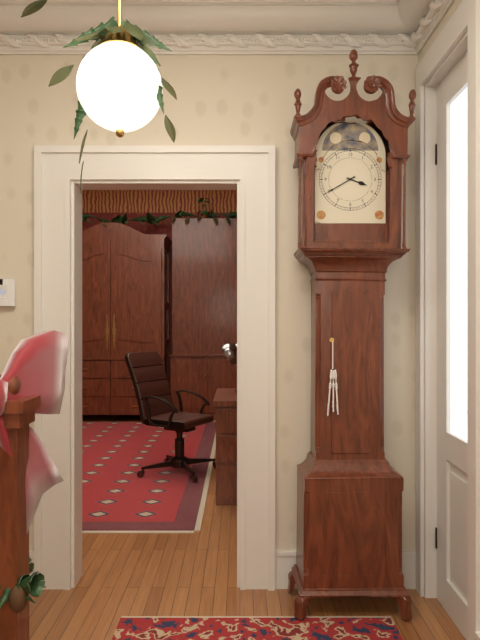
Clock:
3 h 40 min
